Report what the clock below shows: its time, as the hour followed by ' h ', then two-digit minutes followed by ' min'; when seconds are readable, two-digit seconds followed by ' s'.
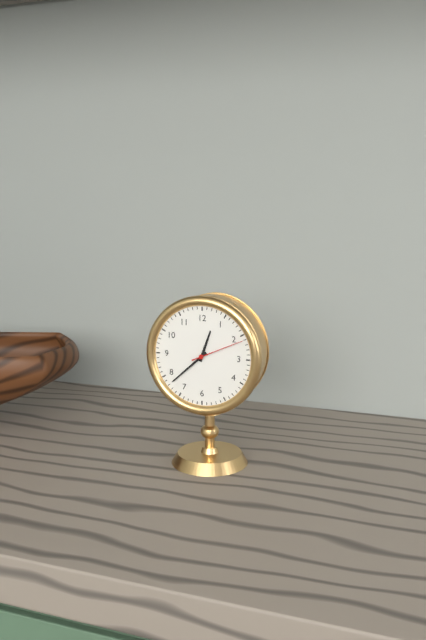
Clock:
12 h 38 min 11 s
